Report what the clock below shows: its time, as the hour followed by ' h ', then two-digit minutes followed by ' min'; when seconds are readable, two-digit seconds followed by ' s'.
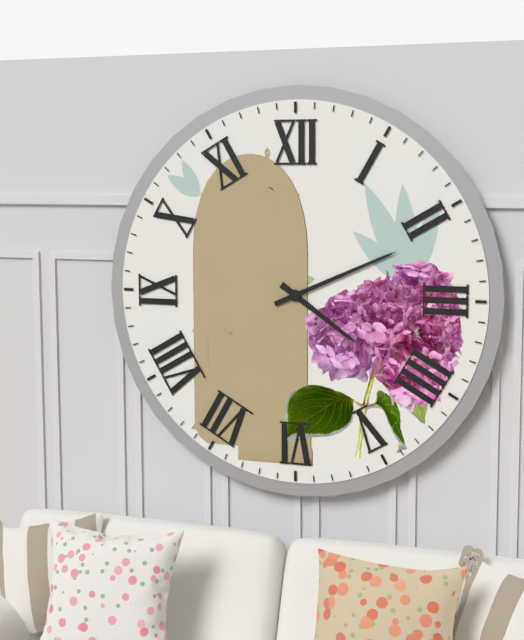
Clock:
4 h 11 min
